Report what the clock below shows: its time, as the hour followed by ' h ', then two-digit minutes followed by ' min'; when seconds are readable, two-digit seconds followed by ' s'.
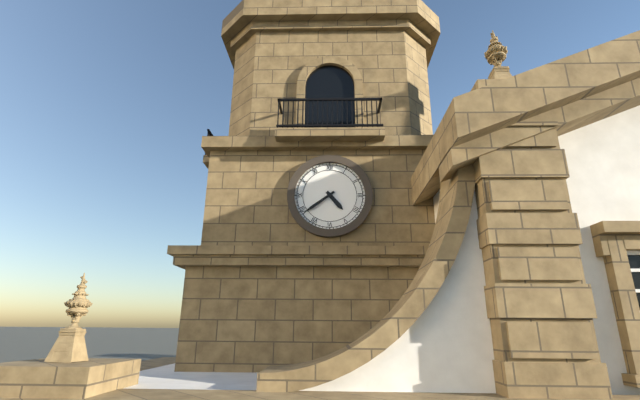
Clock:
4 h 39 min
